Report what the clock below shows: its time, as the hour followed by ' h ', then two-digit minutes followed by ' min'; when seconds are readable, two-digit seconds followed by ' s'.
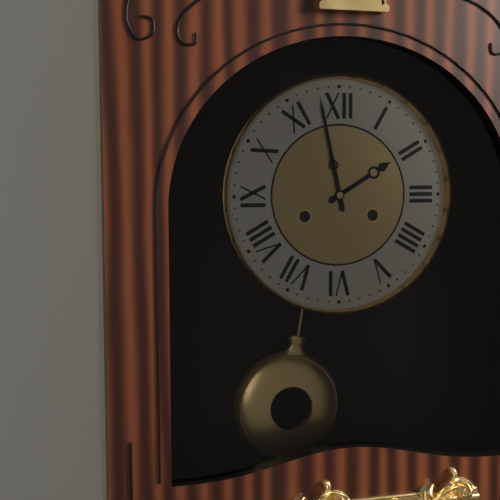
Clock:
1 h 58 min
